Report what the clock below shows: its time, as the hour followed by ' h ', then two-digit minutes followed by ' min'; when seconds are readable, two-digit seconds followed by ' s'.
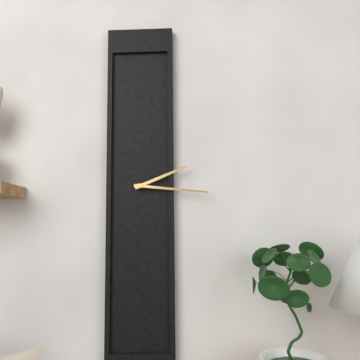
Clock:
2 h 16 min
